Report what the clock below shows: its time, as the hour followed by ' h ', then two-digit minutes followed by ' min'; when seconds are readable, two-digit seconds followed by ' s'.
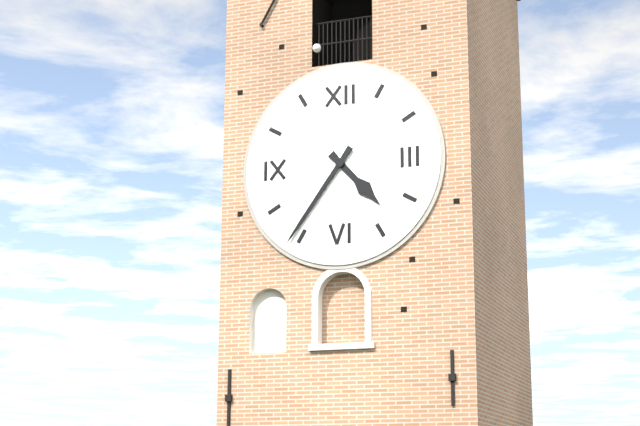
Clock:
4 h 36 min
